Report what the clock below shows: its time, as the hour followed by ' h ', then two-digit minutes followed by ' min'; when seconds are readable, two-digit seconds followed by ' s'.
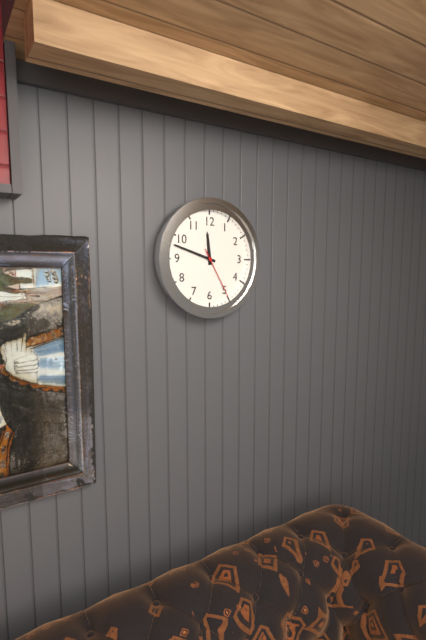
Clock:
11 h 48 min 25 s
